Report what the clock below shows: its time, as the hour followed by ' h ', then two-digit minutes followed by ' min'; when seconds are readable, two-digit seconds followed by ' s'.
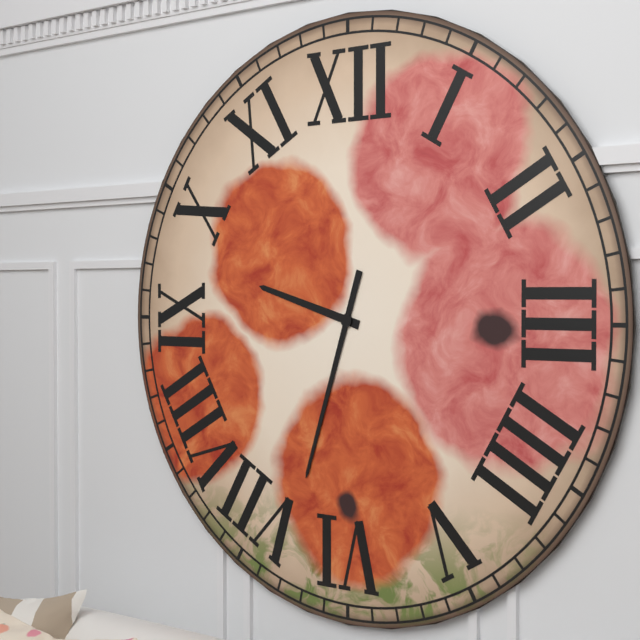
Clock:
9 h 33 min
